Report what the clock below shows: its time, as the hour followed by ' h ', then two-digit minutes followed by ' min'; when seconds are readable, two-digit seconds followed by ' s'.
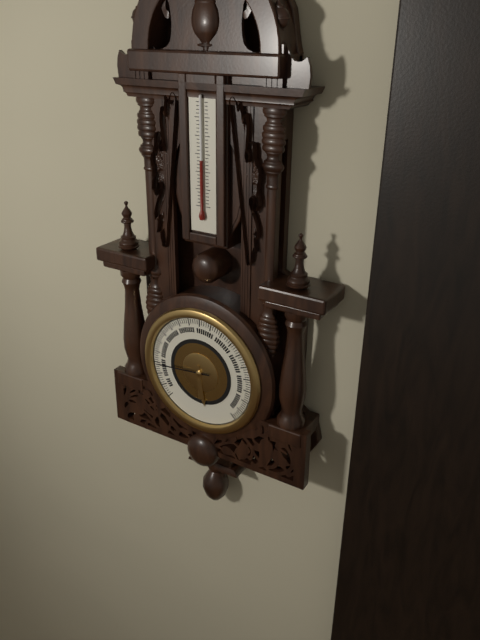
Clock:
5 h 44 min
